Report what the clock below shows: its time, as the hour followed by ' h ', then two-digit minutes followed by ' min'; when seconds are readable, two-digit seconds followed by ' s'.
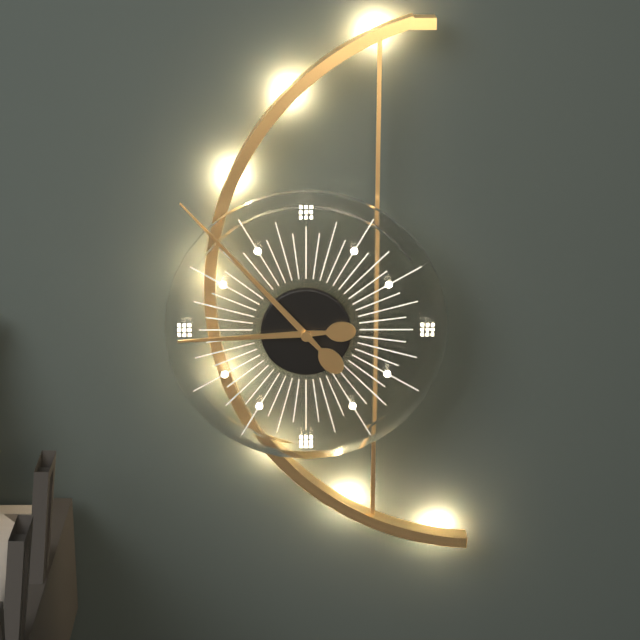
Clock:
8 h 53 min
